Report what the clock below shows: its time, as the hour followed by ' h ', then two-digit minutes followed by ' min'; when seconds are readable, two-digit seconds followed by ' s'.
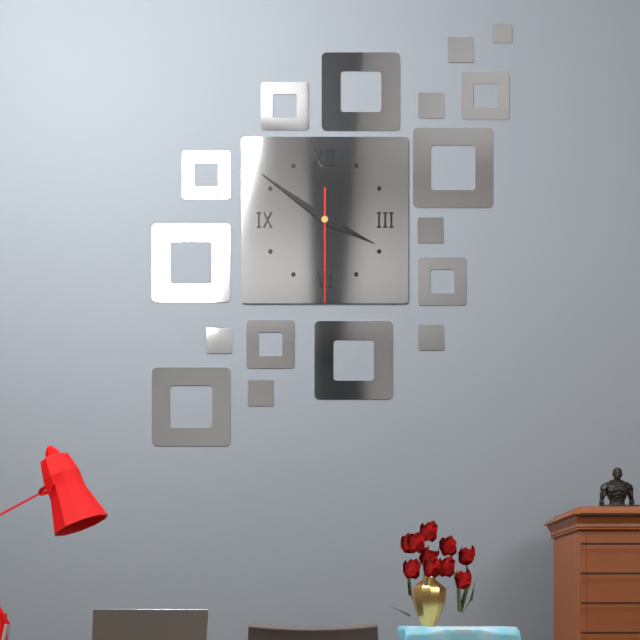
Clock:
3 h 51 min 30 s
